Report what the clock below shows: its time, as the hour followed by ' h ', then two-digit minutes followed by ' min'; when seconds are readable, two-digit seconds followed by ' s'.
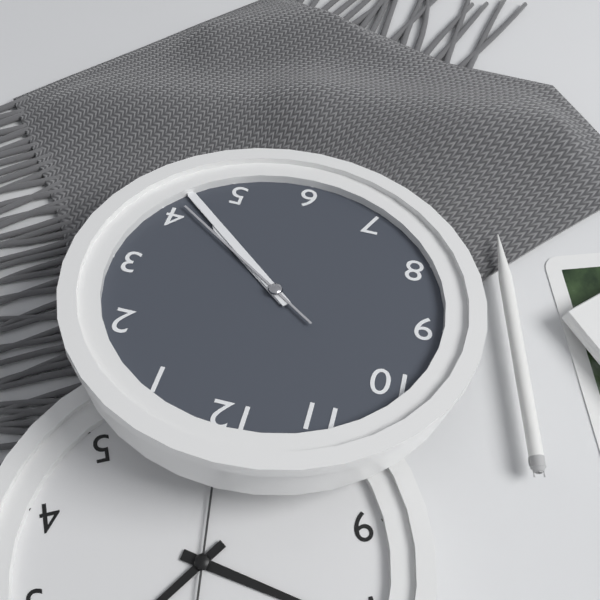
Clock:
4 h 22 min 21 s
